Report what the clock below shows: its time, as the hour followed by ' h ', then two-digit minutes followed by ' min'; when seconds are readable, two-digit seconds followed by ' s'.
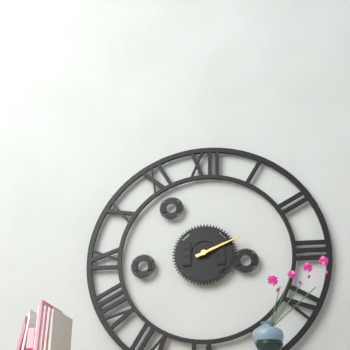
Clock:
2 h 11 min
